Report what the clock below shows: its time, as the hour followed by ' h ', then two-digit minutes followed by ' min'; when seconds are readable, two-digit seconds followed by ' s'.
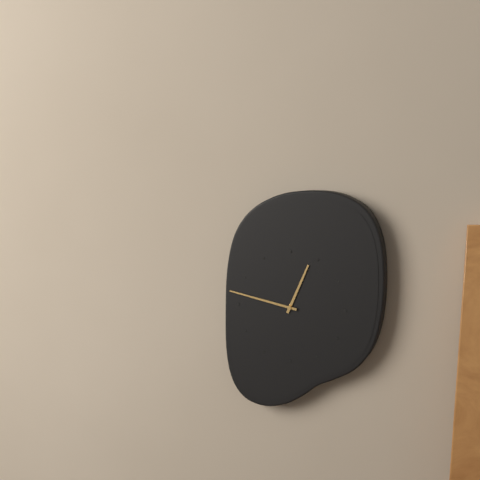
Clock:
12 h 47 min
